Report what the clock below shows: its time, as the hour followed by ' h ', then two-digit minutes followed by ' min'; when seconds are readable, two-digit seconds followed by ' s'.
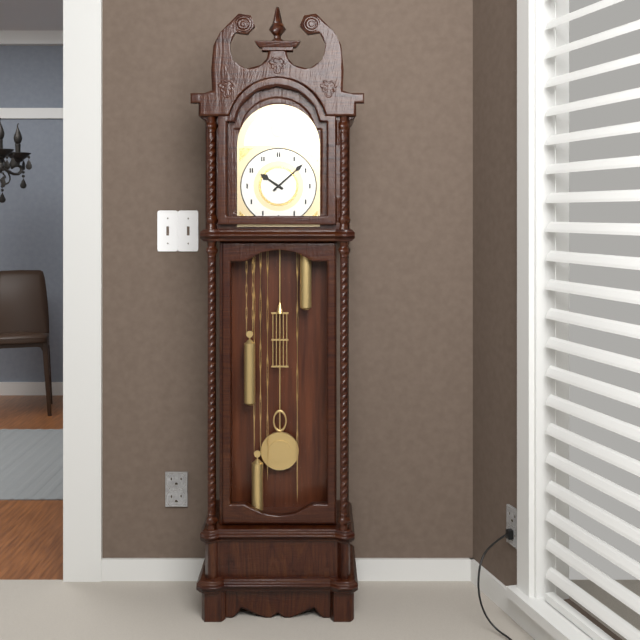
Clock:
10 h 08 min
